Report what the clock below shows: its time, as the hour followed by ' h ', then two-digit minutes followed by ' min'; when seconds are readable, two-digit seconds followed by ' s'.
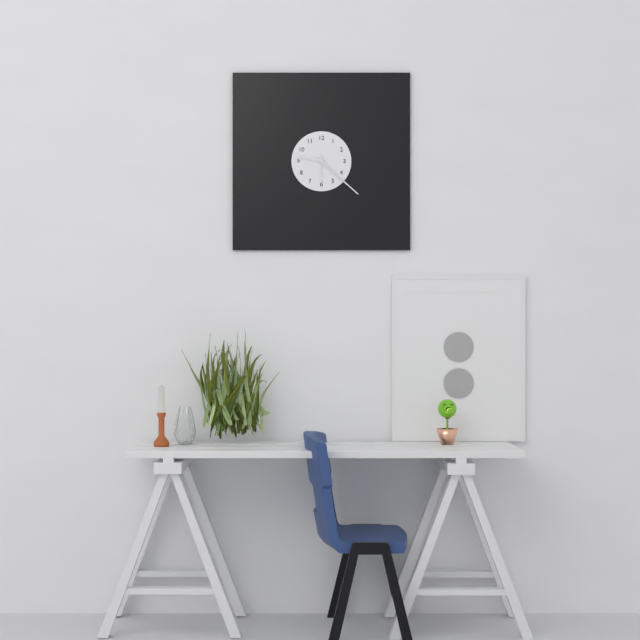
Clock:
9 h 22 min
